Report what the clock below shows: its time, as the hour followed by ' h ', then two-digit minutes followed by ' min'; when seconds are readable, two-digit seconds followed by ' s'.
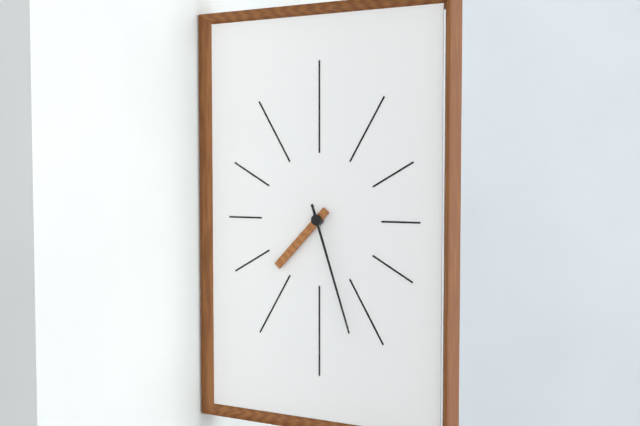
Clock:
7 h 27 min
